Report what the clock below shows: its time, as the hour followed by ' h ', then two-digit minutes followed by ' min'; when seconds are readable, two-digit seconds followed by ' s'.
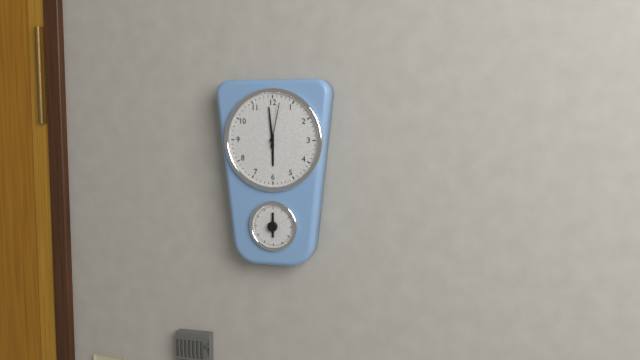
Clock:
5 h 59 min
